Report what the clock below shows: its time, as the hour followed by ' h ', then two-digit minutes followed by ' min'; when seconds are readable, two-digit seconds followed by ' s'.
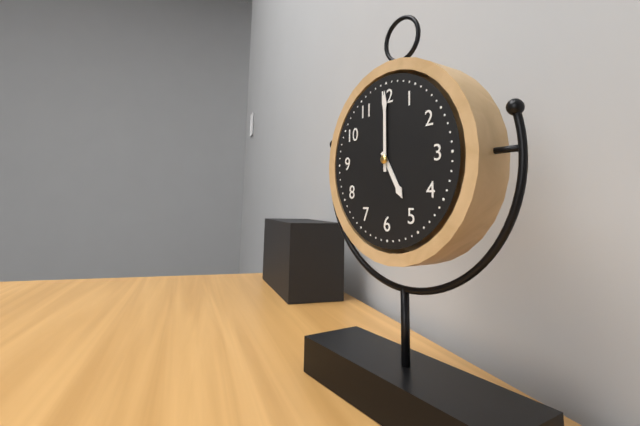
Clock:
5 h 00 min
